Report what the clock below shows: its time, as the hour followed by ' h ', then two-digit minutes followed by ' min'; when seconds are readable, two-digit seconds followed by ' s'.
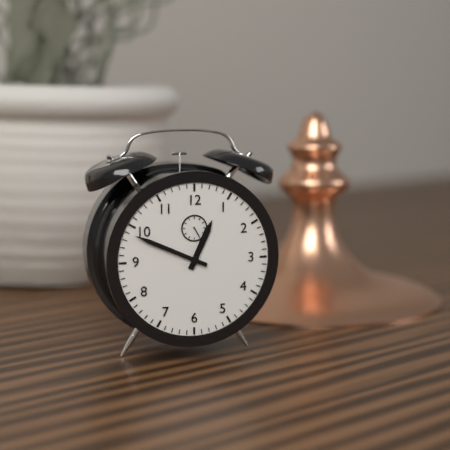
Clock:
12 h 49 min
